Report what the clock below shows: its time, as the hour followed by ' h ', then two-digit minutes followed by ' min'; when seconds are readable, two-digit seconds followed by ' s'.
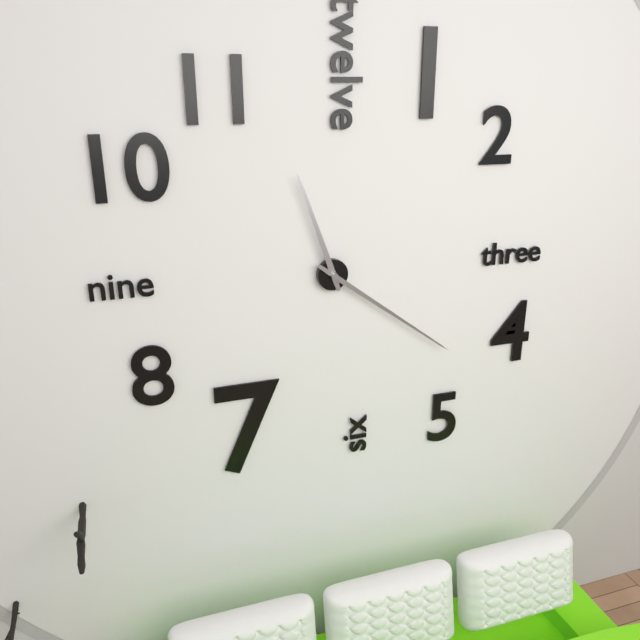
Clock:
11 h 21 min
